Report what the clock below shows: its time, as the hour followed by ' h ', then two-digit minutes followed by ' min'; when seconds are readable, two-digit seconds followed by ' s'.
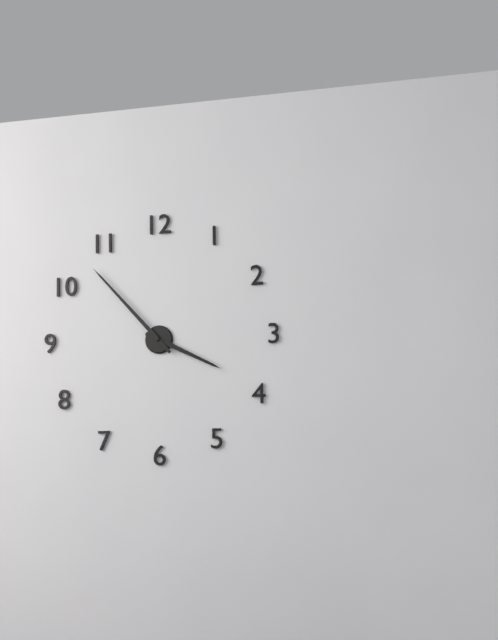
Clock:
3 h 53 min
